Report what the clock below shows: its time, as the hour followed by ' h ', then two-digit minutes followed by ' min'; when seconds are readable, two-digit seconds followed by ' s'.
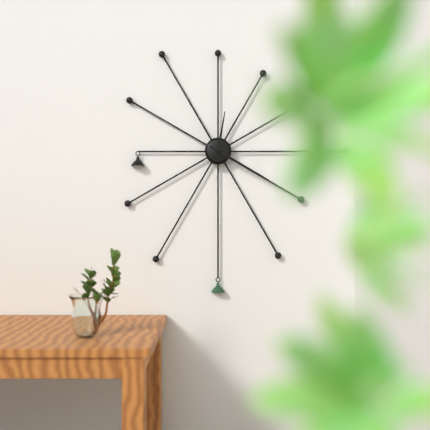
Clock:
12 h 20 min
